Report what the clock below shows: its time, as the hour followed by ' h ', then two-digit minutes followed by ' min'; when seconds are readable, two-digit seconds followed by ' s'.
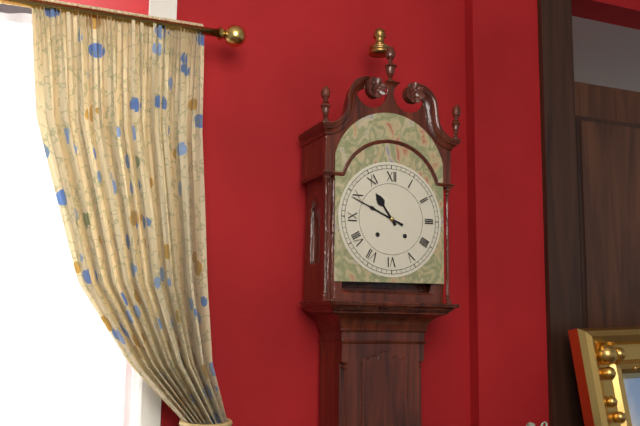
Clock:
10 h 49 min
